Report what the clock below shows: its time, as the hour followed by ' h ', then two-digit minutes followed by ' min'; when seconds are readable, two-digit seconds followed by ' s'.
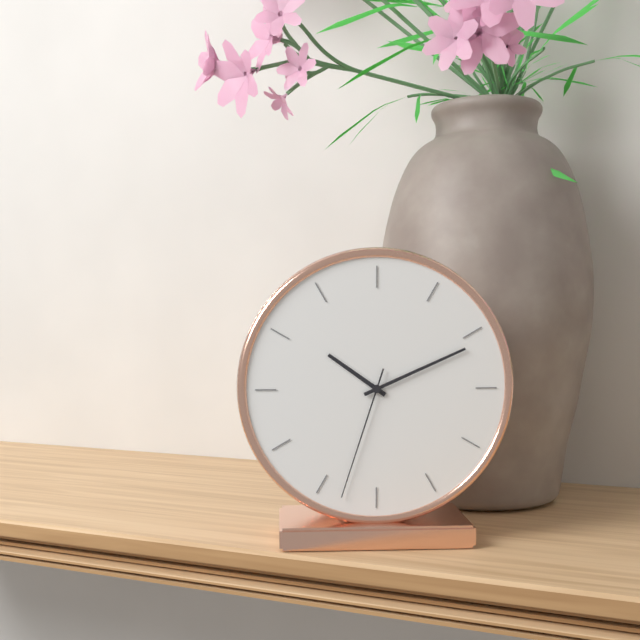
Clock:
10 h 11 min 33 s
